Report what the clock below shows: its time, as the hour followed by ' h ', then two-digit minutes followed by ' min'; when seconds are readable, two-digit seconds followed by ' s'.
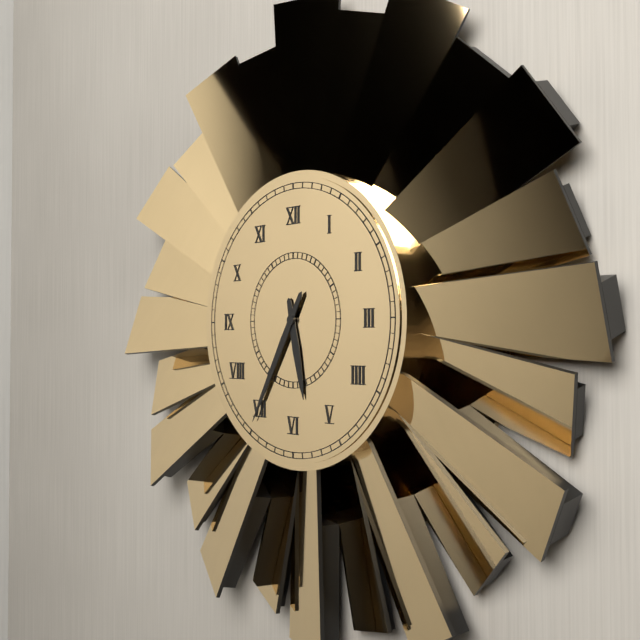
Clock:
5 h 35 min
